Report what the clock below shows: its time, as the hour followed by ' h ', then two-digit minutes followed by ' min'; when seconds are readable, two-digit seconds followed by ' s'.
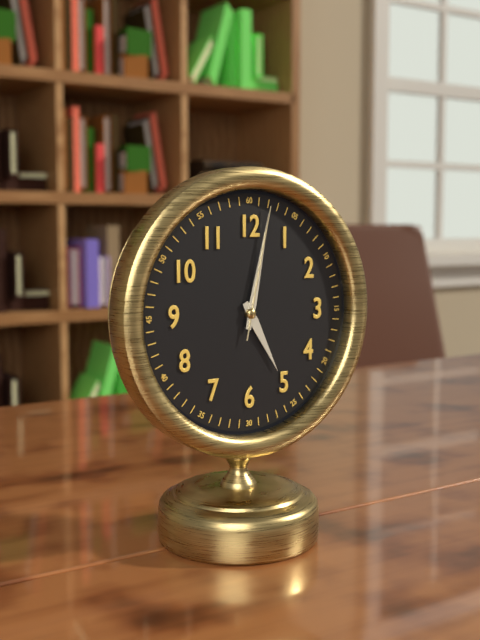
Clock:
5 h 02 min 02 s
